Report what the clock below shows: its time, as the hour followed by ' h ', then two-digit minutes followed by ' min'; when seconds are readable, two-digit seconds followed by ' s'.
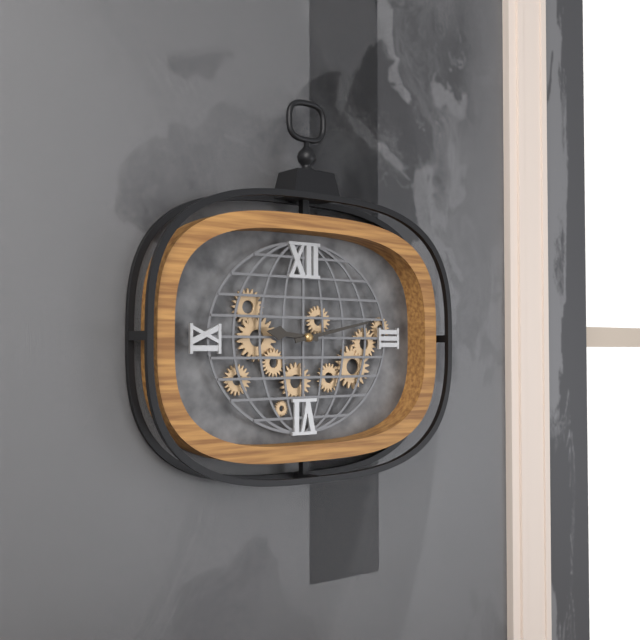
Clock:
9 h 13 min
